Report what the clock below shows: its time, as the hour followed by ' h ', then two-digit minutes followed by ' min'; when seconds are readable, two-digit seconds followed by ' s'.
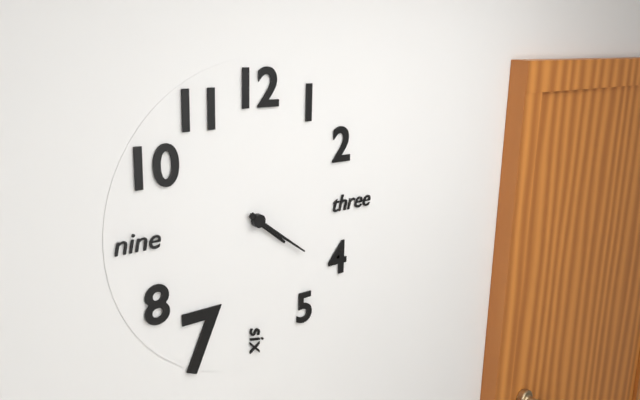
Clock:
4 h 21 min
